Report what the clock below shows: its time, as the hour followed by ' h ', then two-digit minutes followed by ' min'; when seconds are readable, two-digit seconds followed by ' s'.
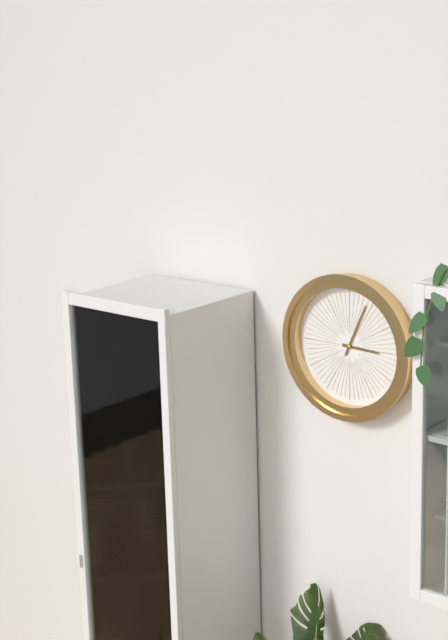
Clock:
3 h 04 min
